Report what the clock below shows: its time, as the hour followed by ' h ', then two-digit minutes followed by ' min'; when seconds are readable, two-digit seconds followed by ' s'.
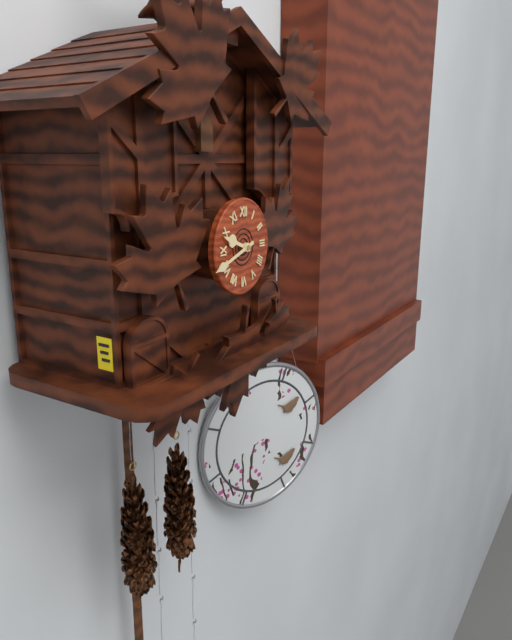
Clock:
9 h 42 min
